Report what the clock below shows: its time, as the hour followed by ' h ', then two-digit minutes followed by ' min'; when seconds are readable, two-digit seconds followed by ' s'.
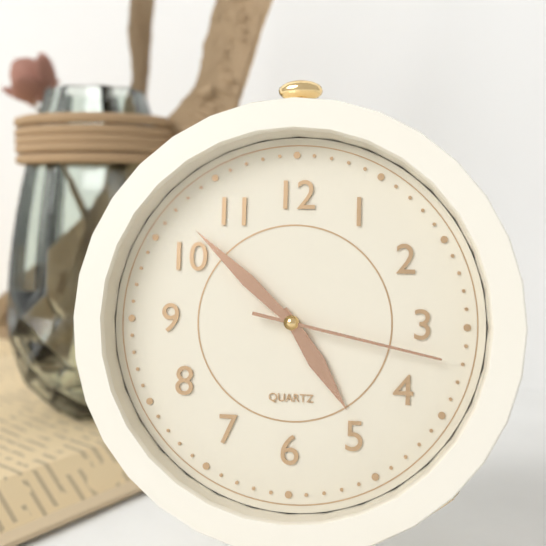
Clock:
4 h 52 min 17 s
